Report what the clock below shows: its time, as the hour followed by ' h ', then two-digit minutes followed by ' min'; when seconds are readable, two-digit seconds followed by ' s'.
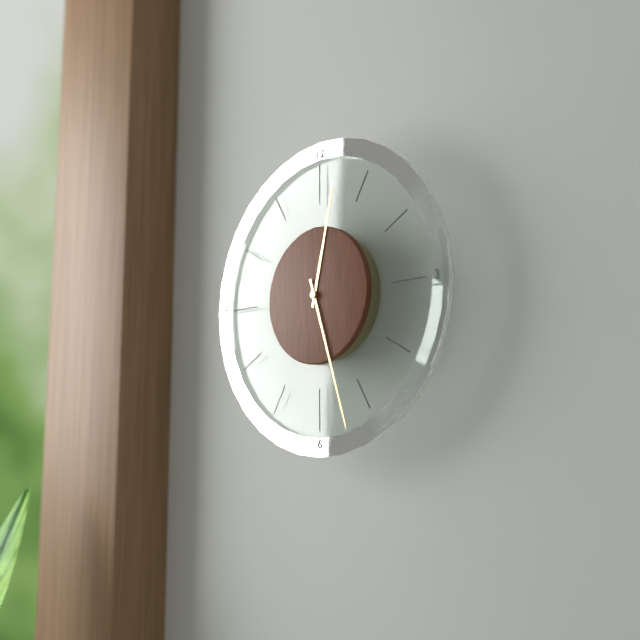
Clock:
12 h 27 min
